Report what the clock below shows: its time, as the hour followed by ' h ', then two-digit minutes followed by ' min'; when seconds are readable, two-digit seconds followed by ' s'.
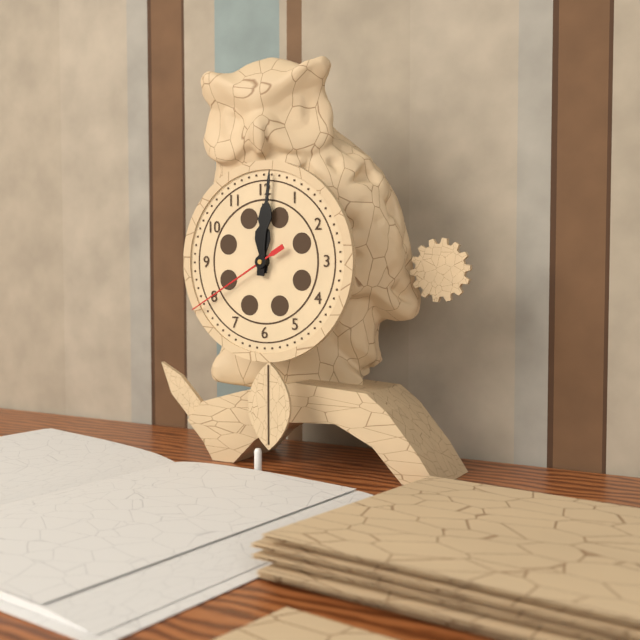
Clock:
12 h 01 min 40 s
